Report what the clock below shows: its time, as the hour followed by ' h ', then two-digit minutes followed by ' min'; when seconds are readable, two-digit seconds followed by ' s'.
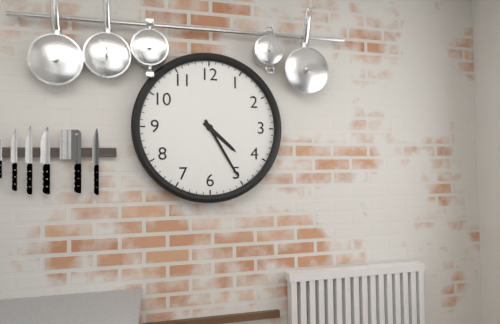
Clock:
4 h 25 min
